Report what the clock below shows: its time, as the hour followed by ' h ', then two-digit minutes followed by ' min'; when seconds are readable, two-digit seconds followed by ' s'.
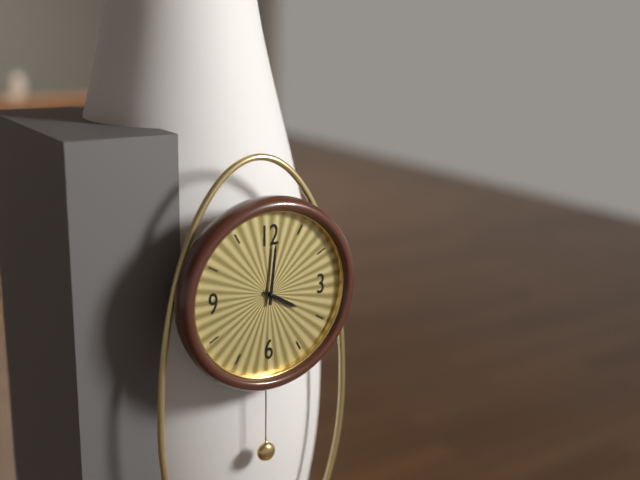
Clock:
4 h 01 min
